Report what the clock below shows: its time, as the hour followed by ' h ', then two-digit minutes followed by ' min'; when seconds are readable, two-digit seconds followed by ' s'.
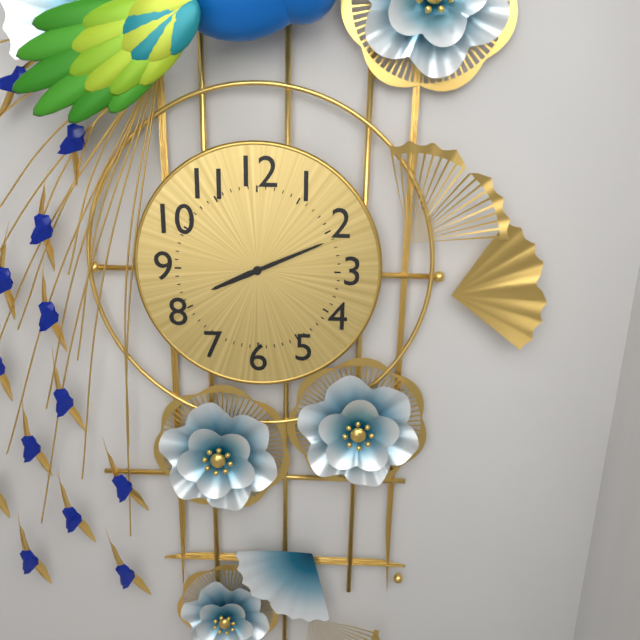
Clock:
8 h 11 min
